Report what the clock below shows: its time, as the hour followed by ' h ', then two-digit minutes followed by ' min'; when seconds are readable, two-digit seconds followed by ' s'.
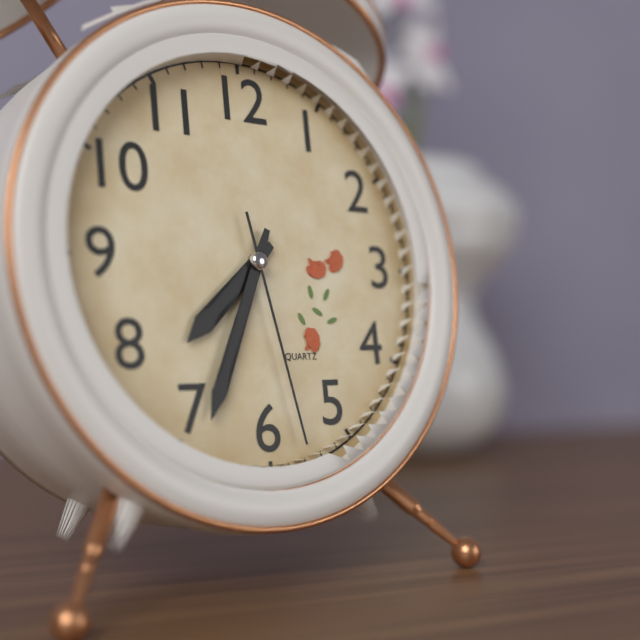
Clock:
7 h 34 min 28 s
